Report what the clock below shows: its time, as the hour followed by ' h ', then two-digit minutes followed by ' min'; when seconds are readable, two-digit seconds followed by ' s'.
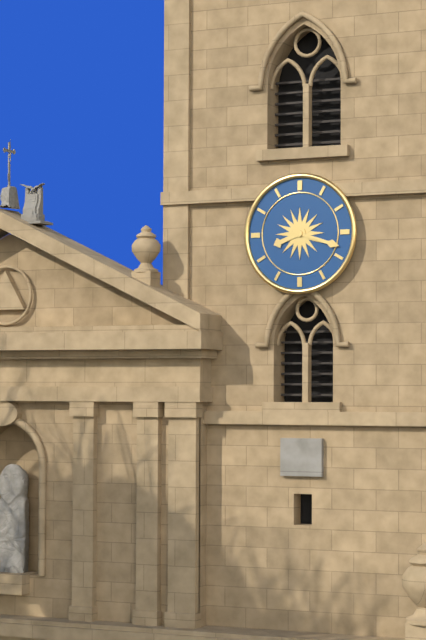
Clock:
8 h 18 min
